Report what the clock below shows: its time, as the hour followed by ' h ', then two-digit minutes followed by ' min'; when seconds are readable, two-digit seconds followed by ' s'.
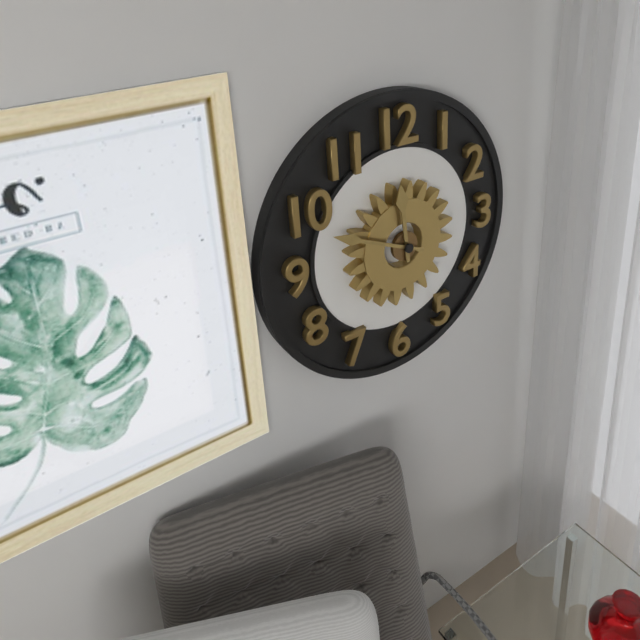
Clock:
11 h 49 min
